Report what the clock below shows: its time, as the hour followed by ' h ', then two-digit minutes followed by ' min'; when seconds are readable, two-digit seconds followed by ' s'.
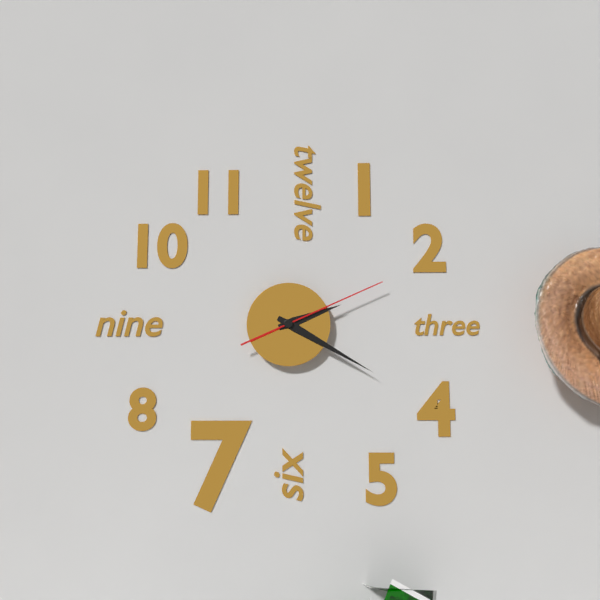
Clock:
2 h 20 min 11 s
